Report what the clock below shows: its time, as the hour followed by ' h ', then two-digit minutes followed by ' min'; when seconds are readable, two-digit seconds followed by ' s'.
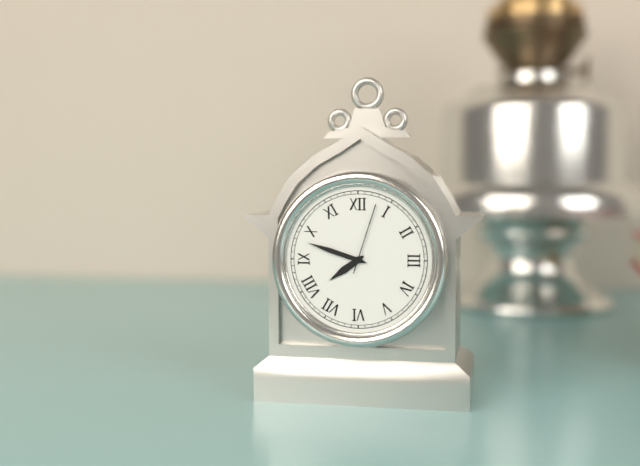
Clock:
7 h 48 min 03 s
